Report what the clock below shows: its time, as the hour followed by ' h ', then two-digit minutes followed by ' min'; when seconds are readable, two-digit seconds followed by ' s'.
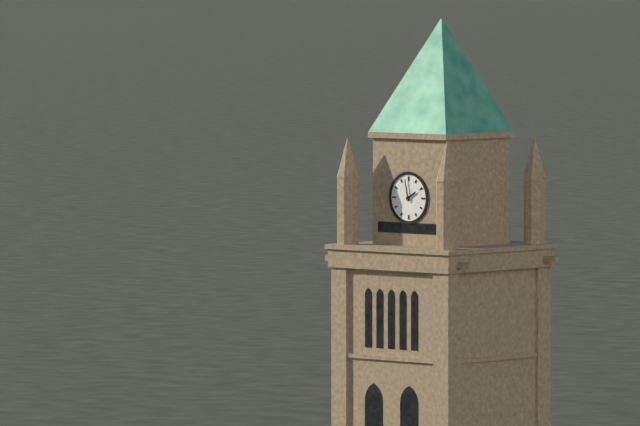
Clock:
1 h 58 min
